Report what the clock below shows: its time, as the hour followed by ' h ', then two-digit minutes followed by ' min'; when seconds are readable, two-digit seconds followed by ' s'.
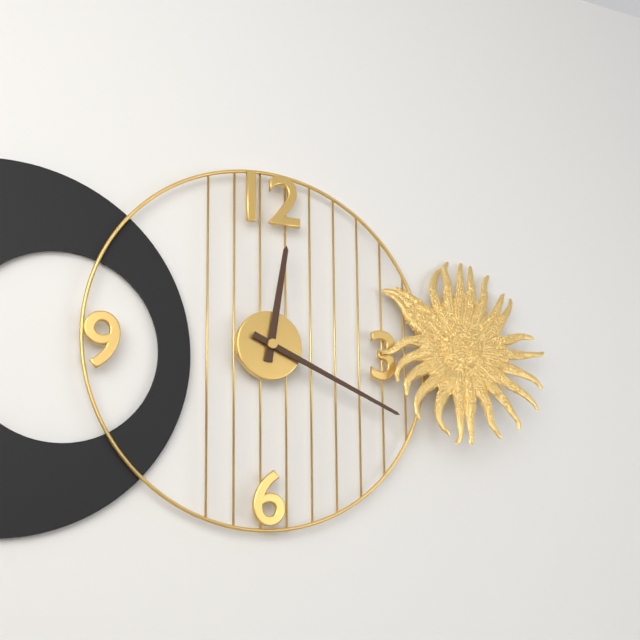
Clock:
12 h 19 min
